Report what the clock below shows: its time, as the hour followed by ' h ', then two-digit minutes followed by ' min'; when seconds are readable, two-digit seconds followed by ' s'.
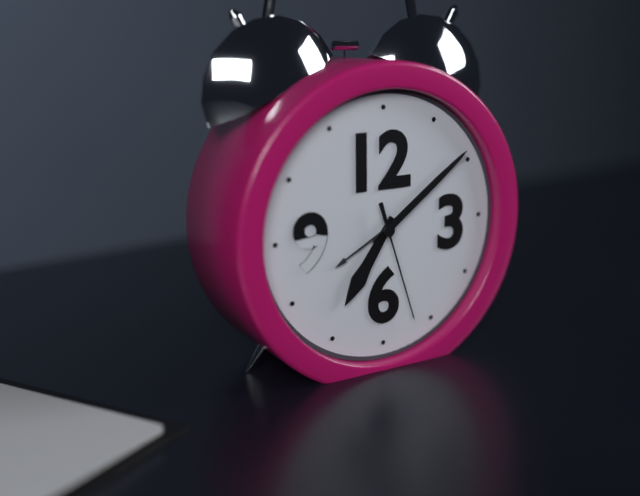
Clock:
7 h 09 min 27 s
